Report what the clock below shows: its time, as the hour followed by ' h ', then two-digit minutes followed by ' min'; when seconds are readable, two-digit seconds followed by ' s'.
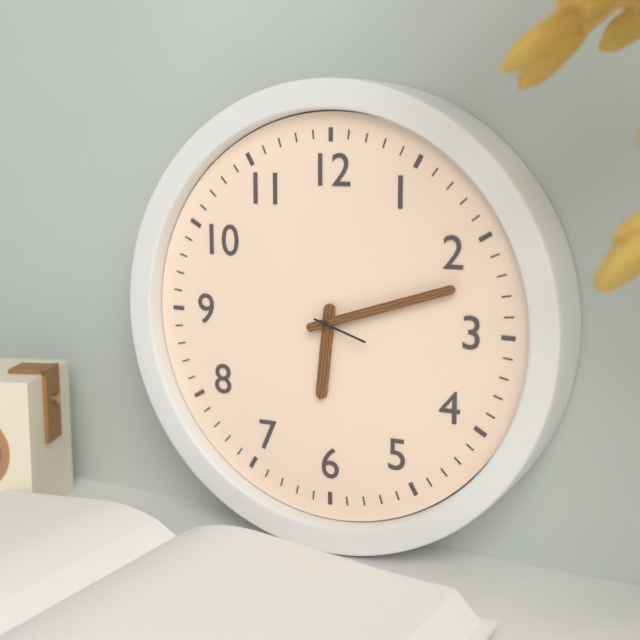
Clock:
6 h 12 min 18 s
